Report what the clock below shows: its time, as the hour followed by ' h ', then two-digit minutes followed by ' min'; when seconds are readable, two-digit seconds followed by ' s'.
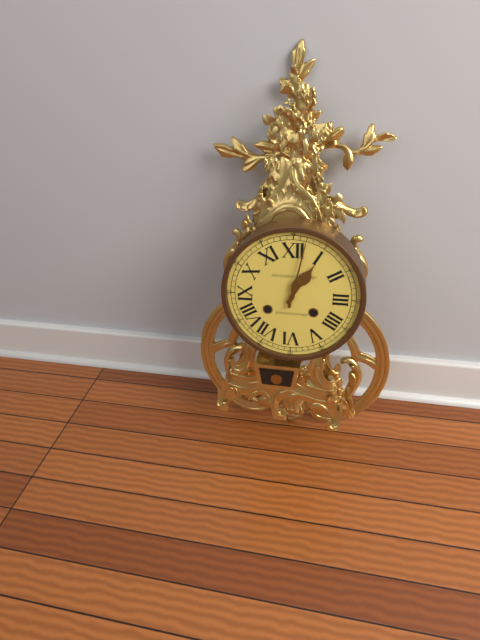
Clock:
1 h 02 min
